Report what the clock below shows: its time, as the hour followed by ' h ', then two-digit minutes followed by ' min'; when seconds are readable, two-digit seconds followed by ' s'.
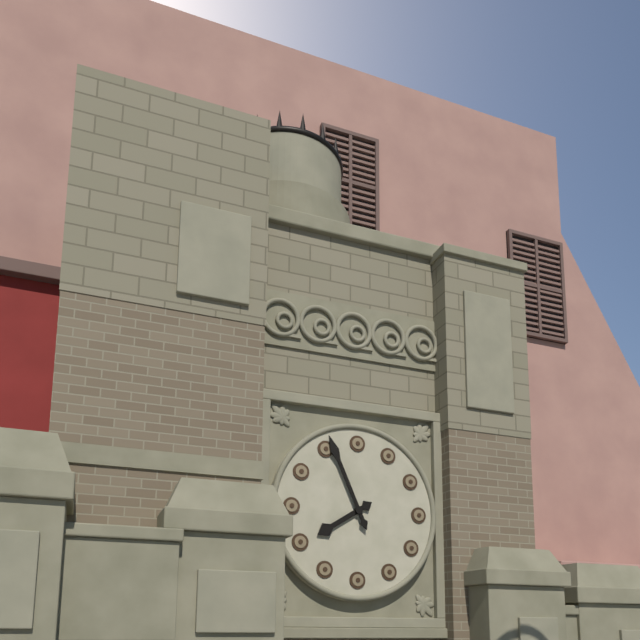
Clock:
7 h 56 min
